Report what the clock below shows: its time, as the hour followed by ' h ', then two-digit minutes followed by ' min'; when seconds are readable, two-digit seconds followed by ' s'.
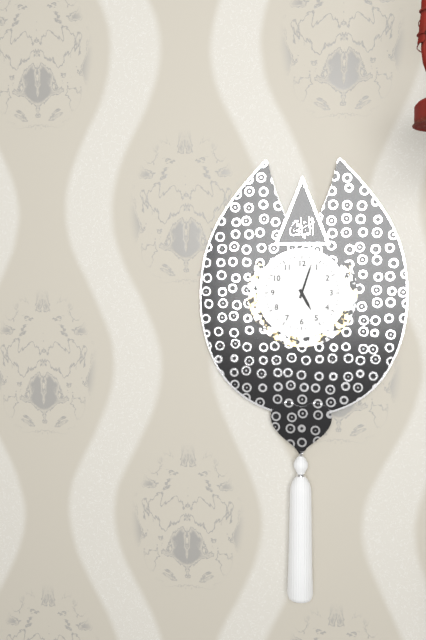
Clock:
5 h 03 min
